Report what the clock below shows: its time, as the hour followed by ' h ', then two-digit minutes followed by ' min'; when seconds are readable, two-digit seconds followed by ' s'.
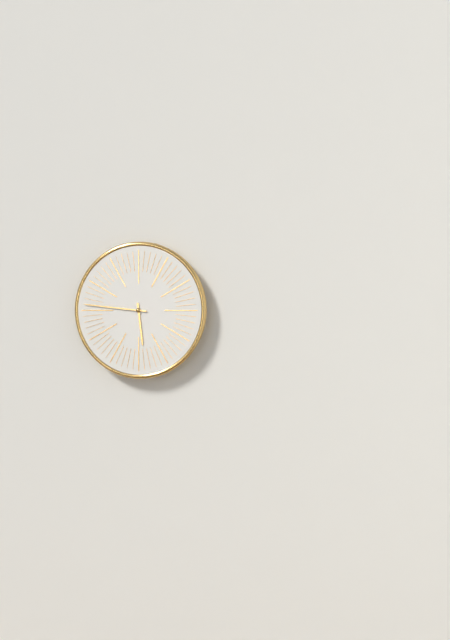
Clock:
5 h 46 min
